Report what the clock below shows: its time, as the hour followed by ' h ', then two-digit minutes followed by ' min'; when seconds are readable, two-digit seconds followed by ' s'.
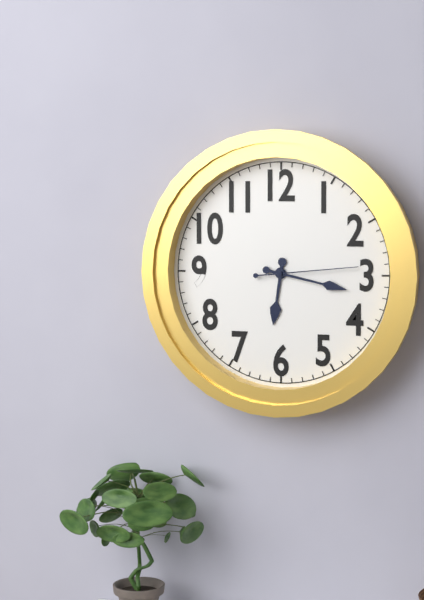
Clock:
6 h 17 min 14 s
